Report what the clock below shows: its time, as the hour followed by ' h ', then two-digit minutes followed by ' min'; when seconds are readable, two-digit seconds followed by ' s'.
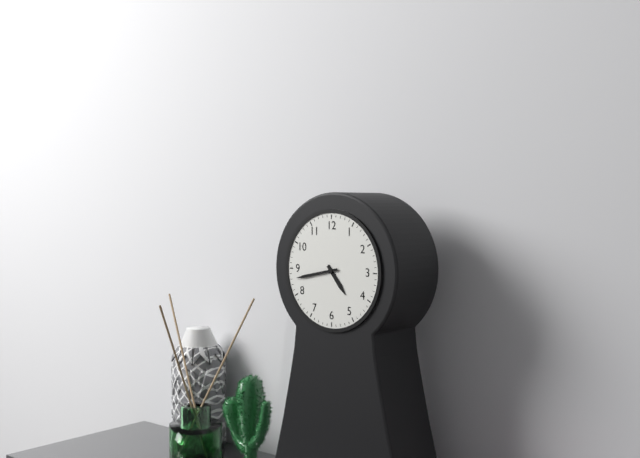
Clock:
4 h 43 min
